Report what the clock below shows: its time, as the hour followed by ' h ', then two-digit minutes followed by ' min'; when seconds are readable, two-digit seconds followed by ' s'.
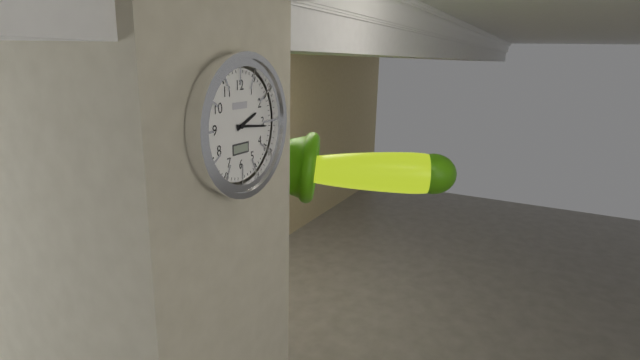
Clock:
2 h 16 min
